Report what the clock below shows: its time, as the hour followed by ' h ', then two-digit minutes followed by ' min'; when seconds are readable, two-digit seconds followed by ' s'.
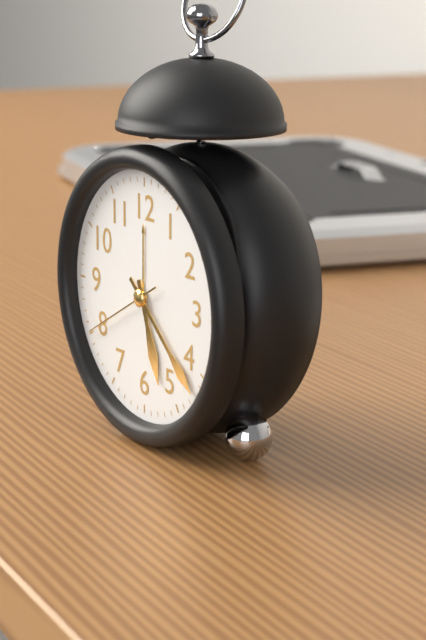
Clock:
5 h 22 min 40 s
